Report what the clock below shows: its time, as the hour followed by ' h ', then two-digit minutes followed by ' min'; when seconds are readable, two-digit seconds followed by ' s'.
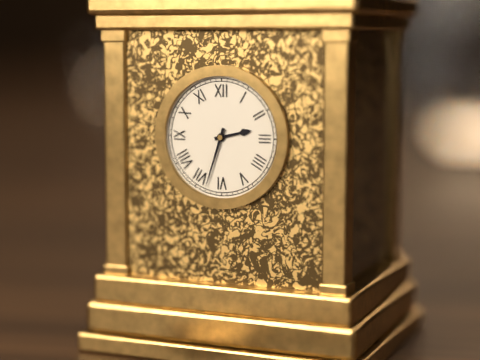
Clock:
2 h 33 min
